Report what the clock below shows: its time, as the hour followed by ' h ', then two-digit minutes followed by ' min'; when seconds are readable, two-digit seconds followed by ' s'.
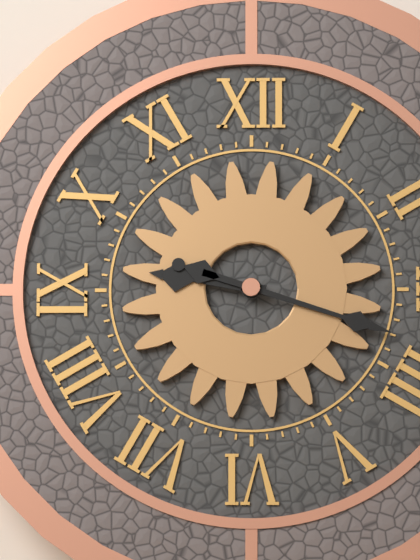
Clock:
9 h 18 min
